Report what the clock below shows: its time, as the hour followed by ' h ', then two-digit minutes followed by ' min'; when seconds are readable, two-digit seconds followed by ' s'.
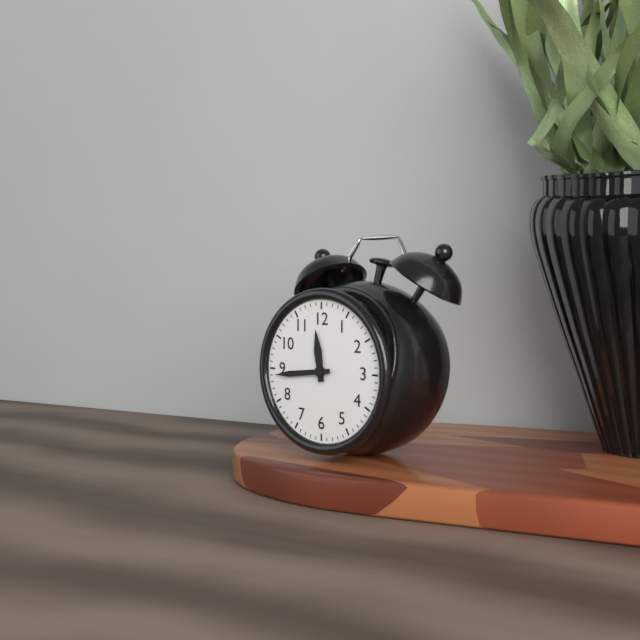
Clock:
11 h 44 min
